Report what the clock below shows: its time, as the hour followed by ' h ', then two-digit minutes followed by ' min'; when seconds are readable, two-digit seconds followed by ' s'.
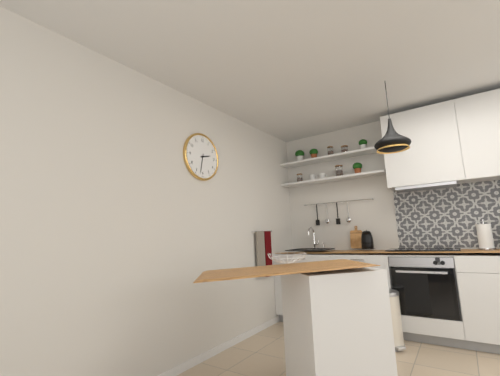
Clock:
2 h 32 min
